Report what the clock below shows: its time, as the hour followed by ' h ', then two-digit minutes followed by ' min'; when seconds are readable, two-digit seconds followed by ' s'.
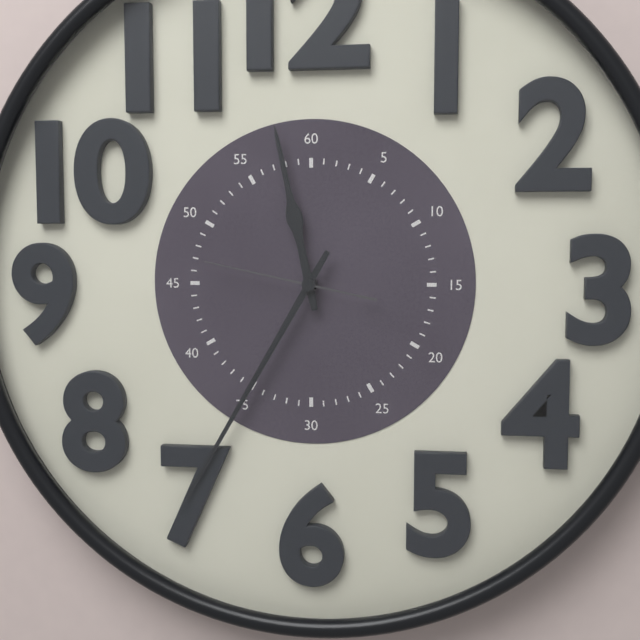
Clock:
11 h 35 min 47 s
